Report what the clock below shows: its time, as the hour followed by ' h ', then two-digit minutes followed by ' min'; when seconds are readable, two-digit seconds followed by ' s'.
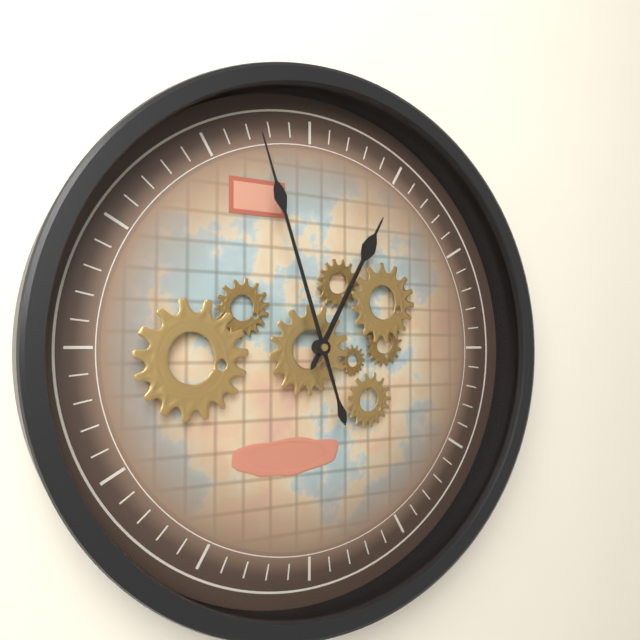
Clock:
12 h 57 min
